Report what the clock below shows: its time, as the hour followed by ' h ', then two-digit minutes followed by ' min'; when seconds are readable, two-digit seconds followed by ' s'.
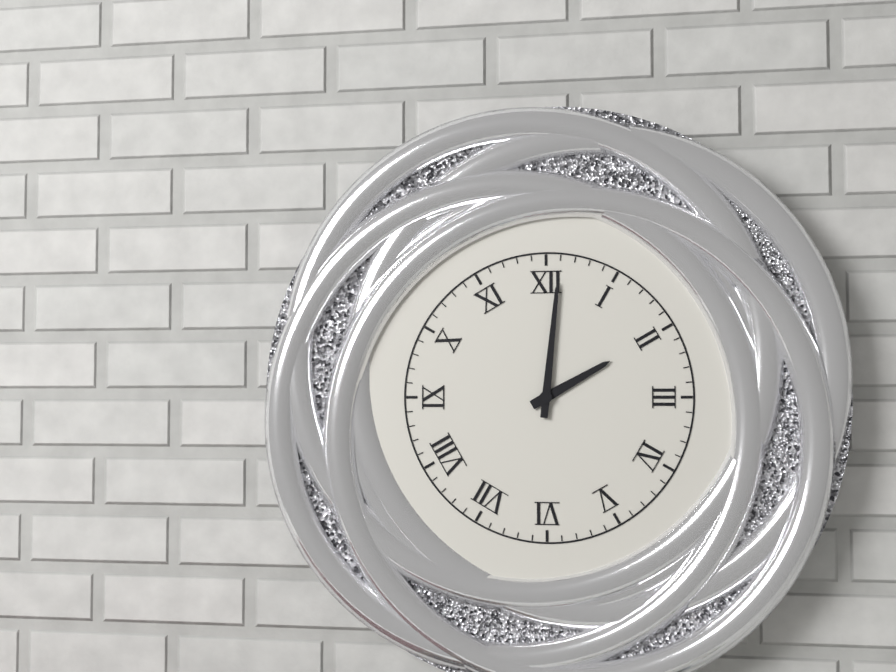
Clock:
2 h 01 min
